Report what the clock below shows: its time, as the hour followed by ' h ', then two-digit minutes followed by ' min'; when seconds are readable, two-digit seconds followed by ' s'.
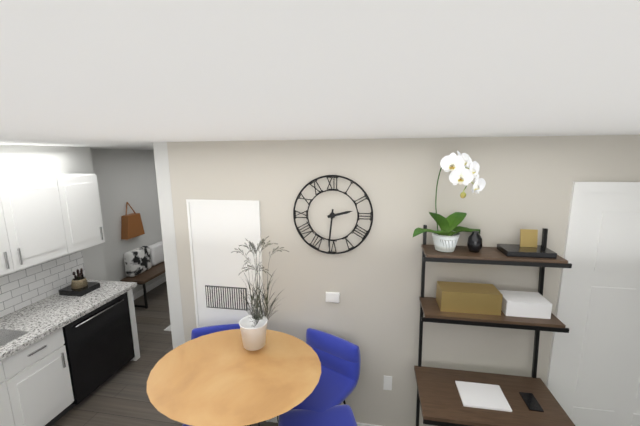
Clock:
2 h 31 min
